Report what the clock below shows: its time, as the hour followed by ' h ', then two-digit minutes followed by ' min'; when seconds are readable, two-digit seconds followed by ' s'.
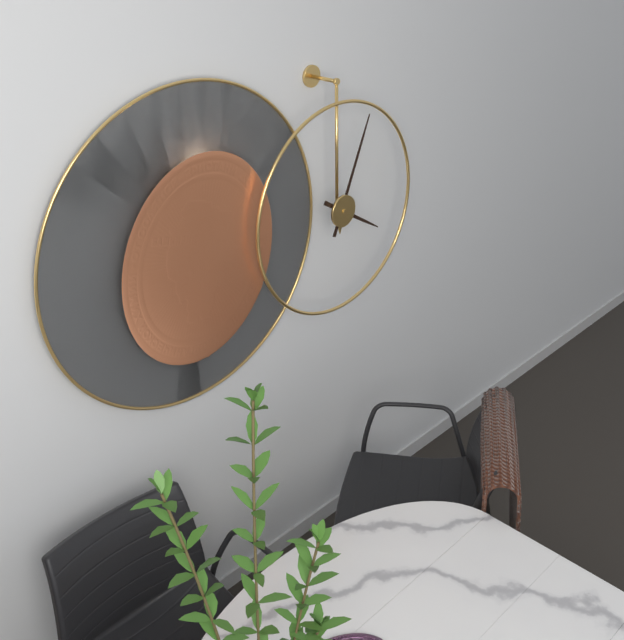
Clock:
4 h 04 min
